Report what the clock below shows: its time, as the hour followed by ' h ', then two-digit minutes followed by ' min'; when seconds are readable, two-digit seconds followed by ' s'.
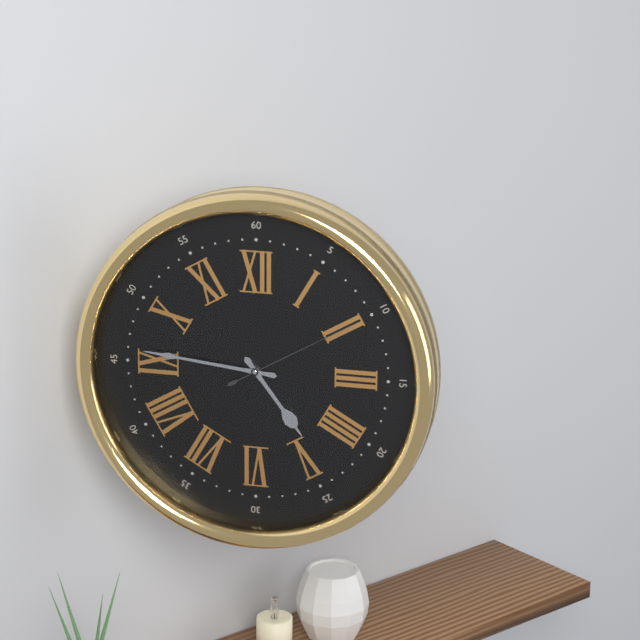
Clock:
4 h 46 min 10 s
